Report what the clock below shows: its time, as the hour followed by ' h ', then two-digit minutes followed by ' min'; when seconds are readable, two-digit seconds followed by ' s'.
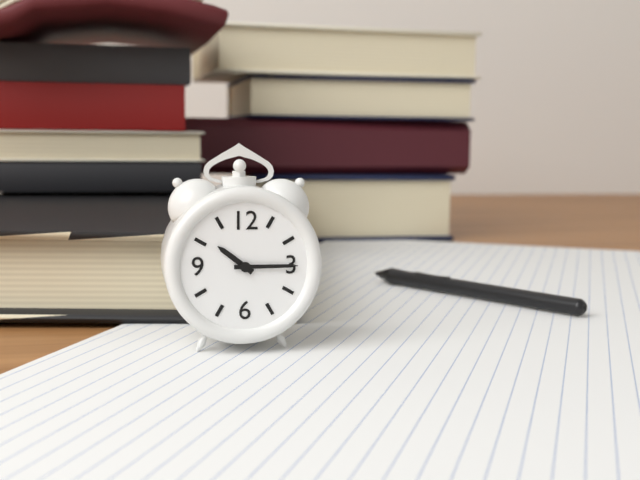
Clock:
10 h 15 min
